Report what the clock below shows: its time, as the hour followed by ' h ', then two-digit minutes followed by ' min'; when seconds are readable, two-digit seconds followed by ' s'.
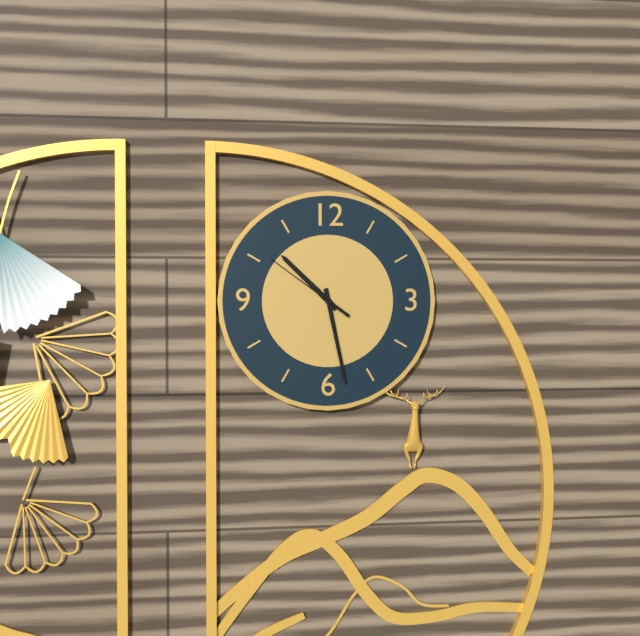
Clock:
10 h 28 min 51 s
